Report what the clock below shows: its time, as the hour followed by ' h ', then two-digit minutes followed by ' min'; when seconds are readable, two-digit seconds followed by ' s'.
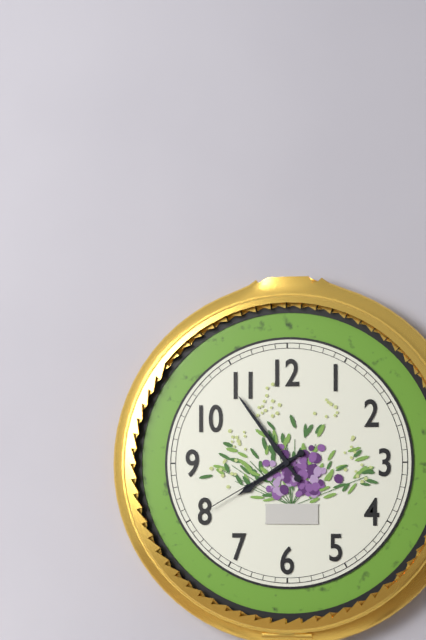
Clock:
7 h 54 min 40 s
